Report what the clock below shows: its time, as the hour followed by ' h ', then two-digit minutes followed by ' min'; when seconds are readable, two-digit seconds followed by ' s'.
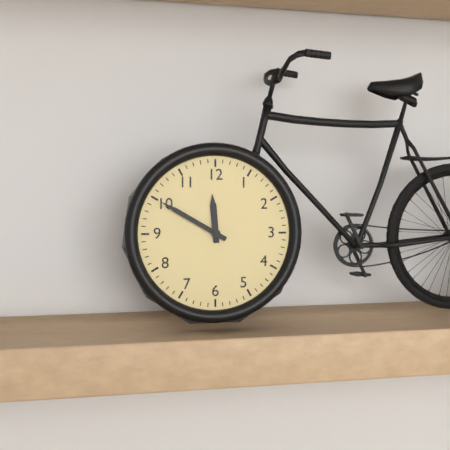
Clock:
11 h 50 min
